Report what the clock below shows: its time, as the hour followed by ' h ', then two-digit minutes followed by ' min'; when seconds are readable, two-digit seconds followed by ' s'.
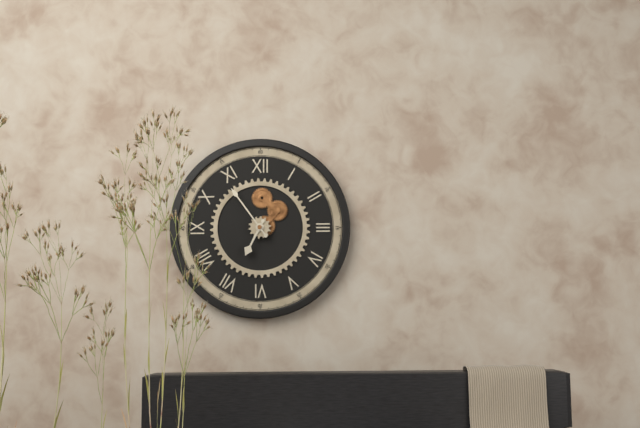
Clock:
6 h 54 min
